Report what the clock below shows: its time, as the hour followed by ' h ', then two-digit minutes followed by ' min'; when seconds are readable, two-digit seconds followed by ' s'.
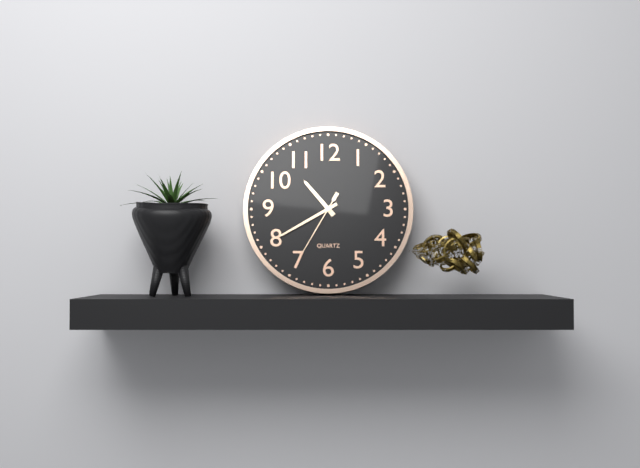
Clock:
10 h 40 min 35 s
